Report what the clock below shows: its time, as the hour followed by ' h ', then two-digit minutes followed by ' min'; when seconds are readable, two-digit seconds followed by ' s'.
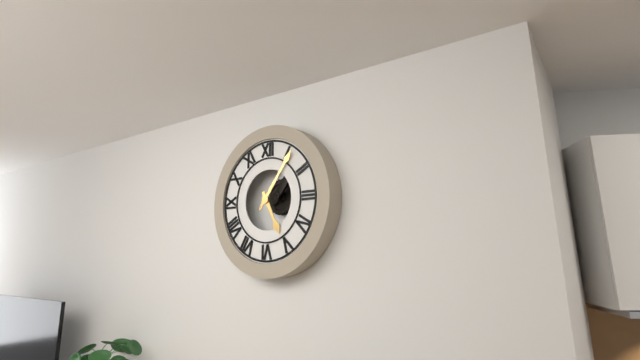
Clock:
5 h 06 min
